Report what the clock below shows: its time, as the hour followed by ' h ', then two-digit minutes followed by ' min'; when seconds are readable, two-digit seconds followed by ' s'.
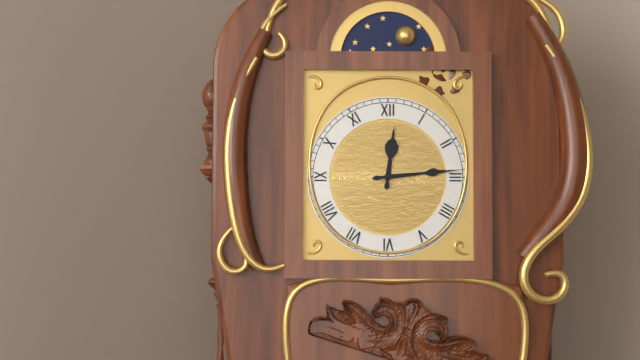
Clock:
12 h 14 min
